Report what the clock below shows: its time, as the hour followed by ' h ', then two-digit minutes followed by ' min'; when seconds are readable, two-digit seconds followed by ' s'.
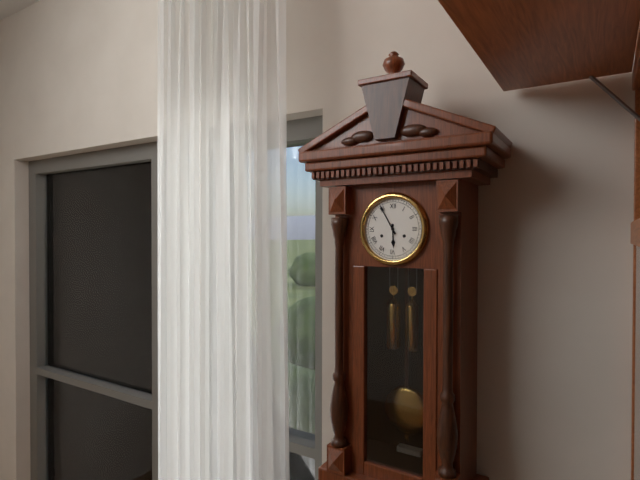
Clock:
5 h 55 min
